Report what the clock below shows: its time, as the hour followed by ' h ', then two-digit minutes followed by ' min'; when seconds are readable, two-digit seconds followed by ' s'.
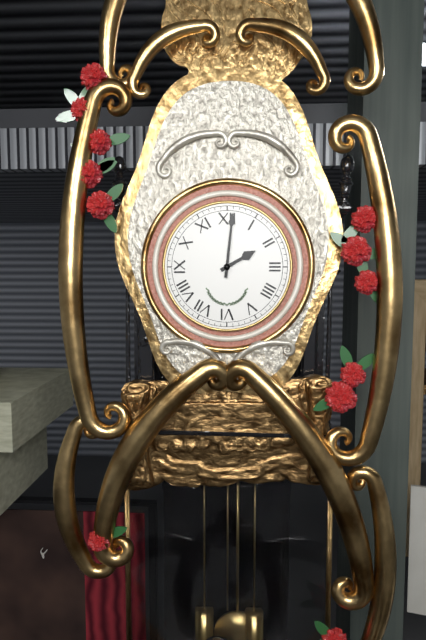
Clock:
2 h 01 min
